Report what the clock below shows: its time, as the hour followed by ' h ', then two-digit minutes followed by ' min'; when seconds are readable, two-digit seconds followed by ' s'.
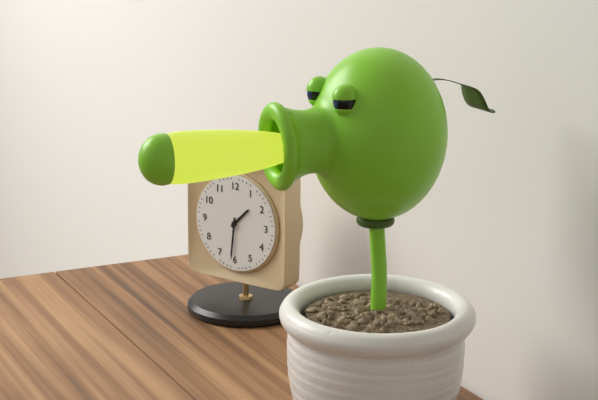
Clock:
1 h 31 min
